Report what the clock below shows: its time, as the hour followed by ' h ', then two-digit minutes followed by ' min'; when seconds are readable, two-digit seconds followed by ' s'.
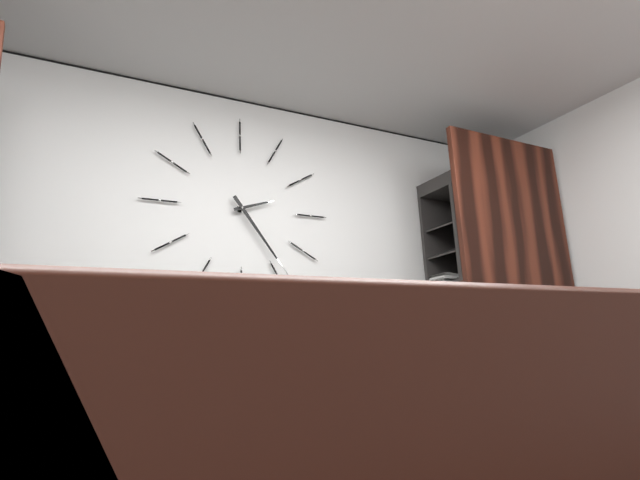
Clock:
2 h 24 min
